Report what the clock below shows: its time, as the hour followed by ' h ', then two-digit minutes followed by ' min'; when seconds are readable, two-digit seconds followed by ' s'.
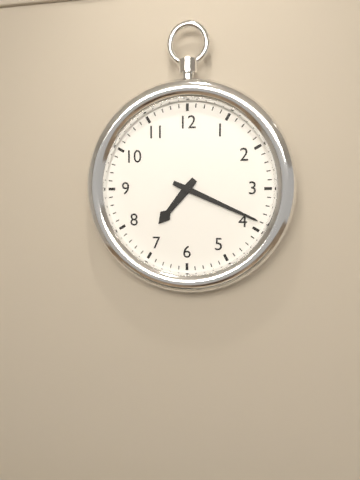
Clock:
7 h 19 min
